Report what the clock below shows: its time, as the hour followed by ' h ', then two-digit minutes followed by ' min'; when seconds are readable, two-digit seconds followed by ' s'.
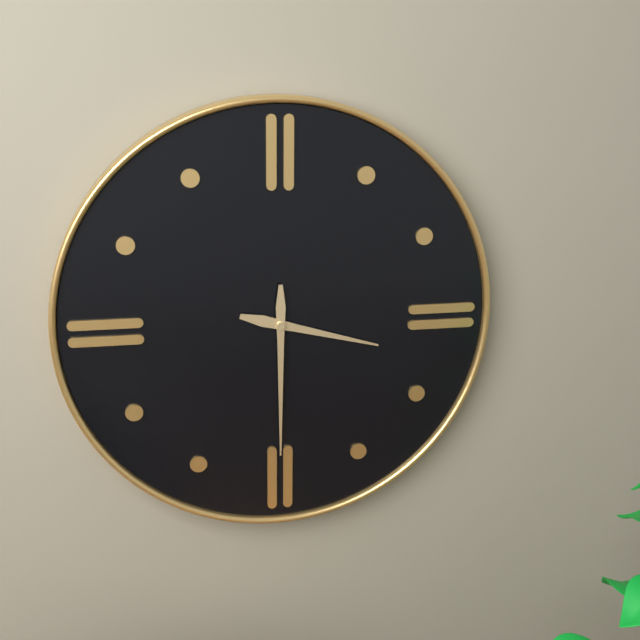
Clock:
3 h 30 min
